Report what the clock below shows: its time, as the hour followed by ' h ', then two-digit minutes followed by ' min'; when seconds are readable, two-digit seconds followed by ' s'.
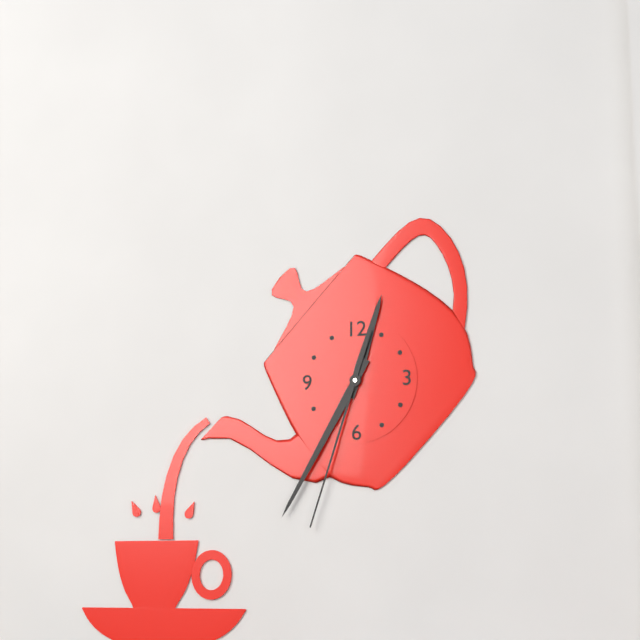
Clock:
12 h 35 min 33 s
